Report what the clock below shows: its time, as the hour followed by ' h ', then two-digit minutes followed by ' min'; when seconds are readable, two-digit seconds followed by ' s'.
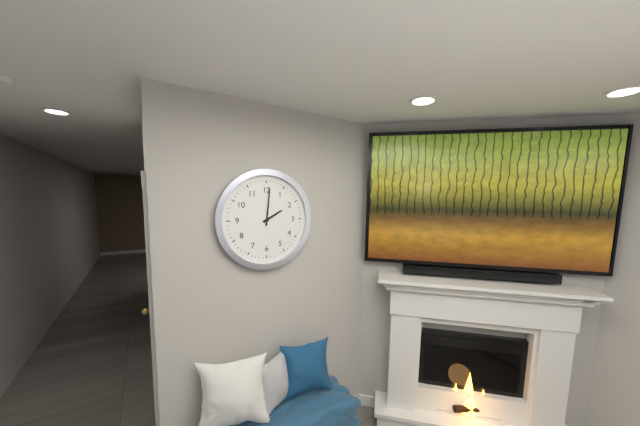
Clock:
2 h 01 min
